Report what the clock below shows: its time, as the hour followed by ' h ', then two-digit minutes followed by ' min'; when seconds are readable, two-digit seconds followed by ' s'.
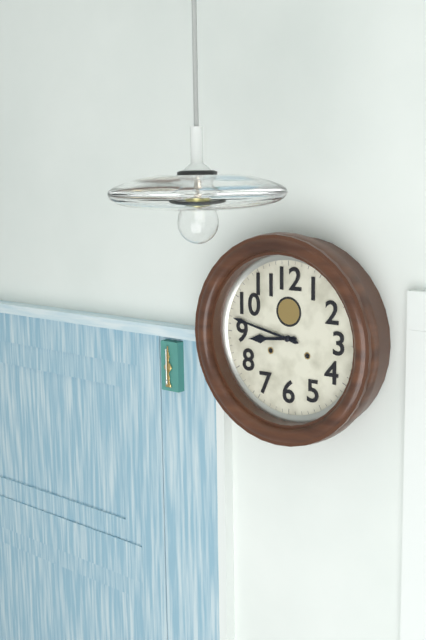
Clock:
8 h 47 min
